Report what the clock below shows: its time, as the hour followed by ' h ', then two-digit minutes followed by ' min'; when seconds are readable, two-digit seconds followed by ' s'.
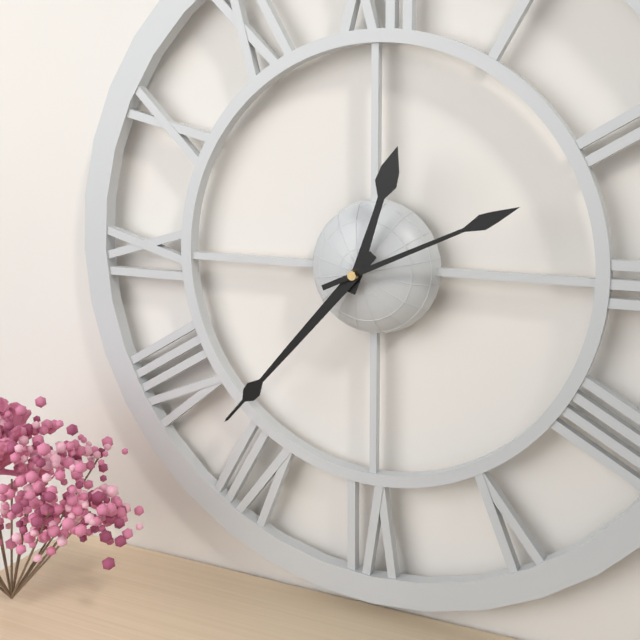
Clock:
12 h 37 min 11 s
